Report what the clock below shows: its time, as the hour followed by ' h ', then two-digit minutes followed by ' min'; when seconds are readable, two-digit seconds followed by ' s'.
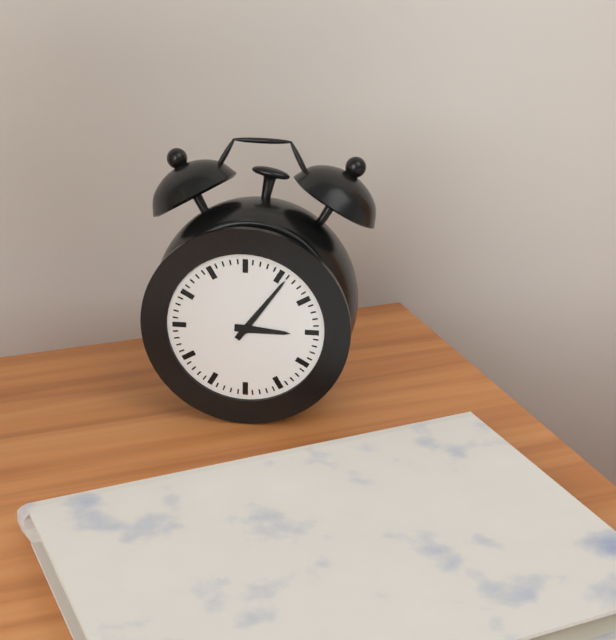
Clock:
3 h 06 min
